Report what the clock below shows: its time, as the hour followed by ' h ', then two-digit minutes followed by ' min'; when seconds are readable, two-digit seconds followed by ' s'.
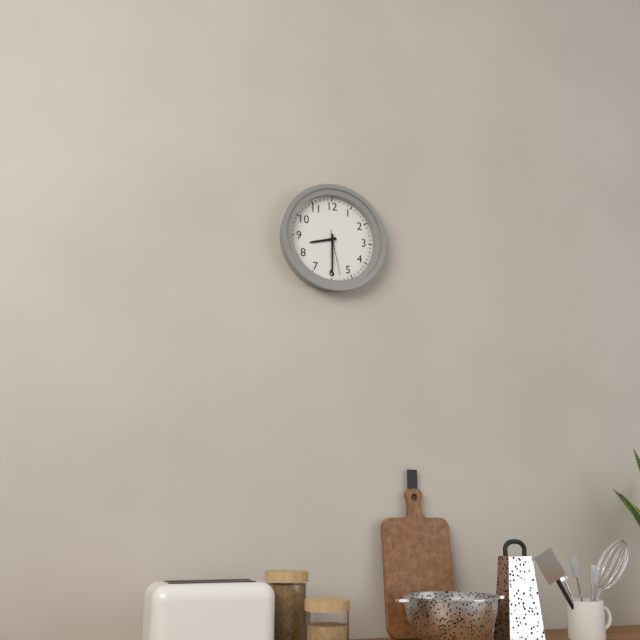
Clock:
8 h 30 min
